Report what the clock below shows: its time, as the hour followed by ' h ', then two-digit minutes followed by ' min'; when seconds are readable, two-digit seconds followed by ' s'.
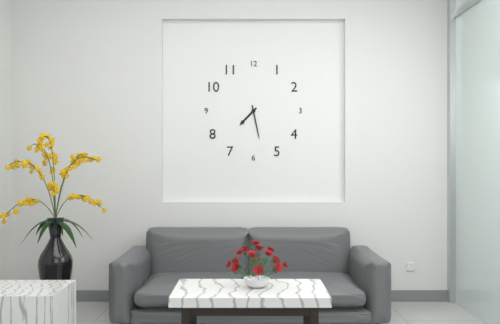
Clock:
7 h 28 min
